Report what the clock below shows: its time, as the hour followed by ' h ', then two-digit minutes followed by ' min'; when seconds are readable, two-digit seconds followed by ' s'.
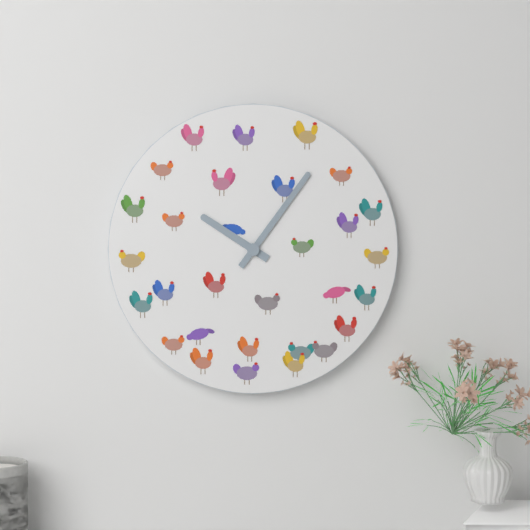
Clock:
10 h 06 min
